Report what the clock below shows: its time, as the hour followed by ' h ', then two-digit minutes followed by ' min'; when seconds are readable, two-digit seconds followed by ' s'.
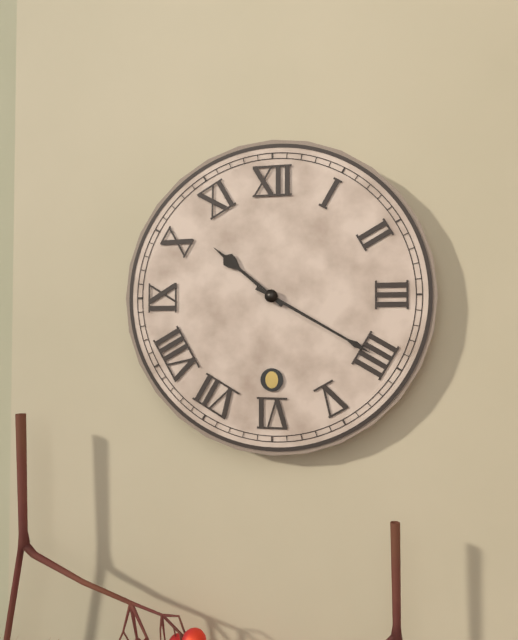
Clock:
10 h 20 min
